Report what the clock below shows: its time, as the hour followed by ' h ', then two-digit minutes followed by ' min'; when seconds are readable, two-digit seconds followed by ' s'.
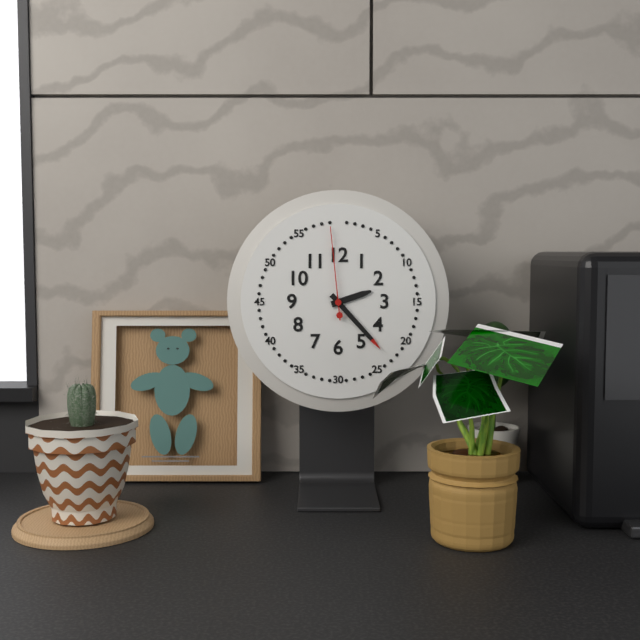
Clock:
2 h 23 min 59 s
